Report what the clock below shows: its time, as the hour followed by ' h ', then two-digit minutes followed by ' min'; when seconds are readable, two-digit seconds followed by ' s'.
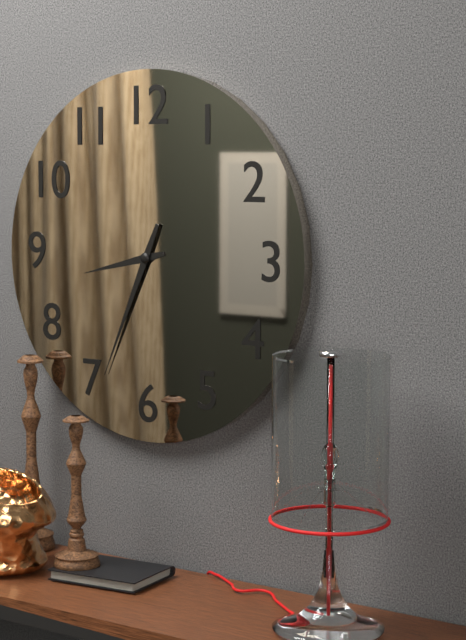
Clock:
8 h 34 min
